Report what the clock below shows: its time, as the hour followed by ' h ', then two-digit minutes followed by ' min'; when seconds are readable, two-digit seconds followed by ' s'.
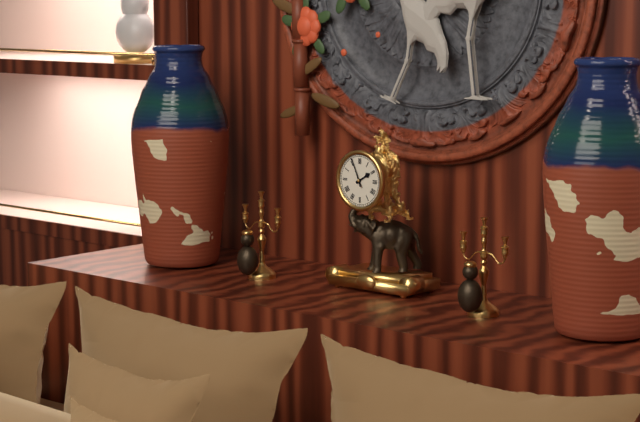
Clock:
1 h 56 min
